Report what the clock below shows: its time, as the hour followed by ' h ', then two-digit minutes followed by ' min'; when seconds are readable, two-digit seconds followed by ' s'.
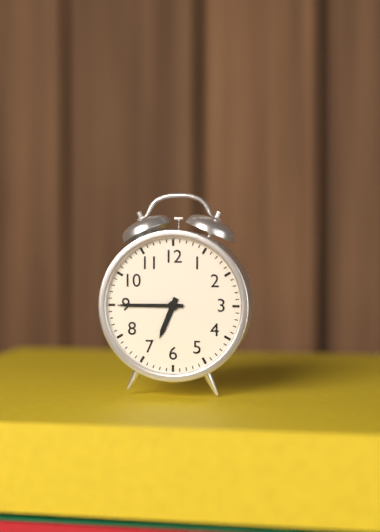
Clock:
6 h 45 min
